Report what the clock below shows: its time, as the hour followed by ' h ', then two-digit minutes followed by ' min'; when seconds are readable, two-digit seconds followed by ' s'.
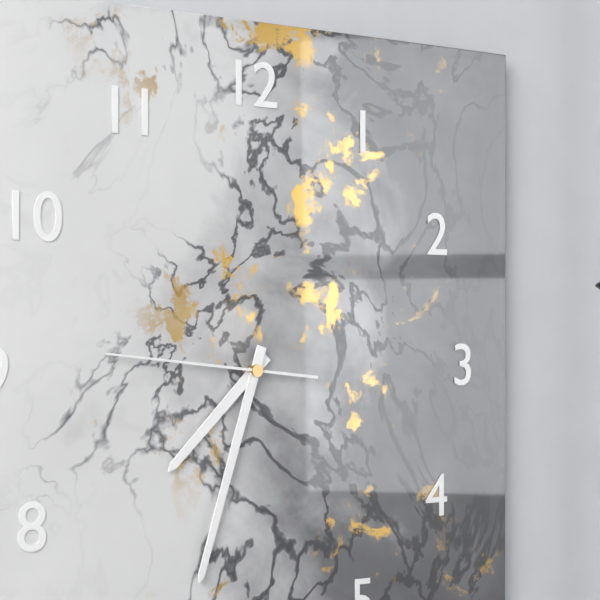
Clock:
7 h 33 min 46 s
